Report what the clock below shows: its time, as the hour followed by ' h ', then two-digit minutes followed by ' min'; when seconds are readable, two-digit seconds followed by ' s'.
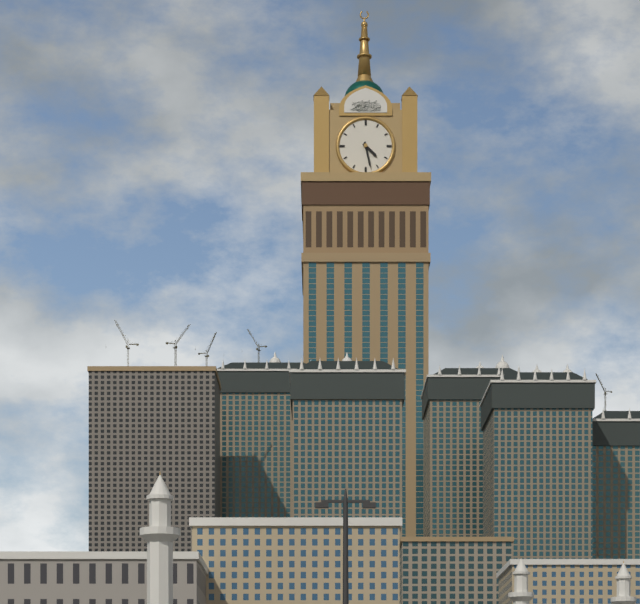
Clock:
4 h 28 min
